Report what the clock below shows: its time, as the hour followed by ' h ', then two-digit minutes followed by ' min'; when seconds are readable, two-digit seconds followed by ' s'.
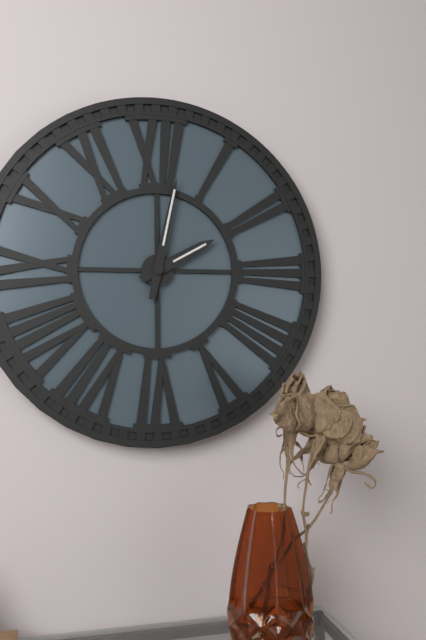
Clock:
2 h 02 min
